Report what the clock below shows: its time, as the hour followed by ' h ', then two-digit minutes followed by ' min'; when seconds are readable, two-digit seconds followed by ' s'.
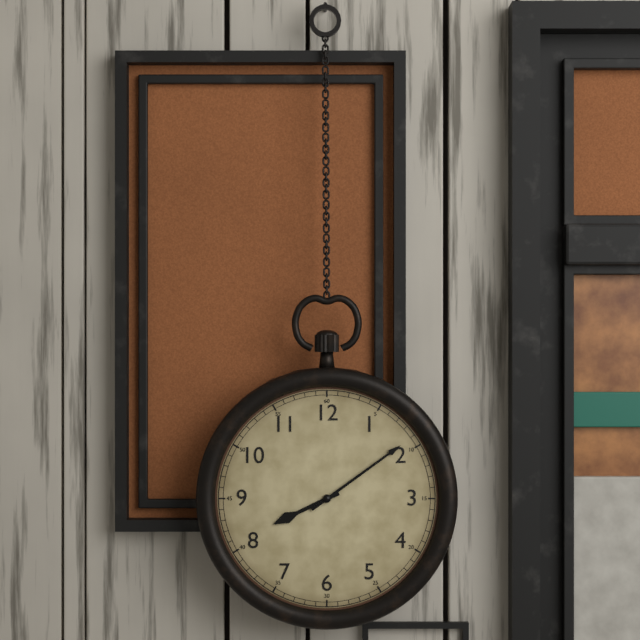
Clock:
8 h 09 min
